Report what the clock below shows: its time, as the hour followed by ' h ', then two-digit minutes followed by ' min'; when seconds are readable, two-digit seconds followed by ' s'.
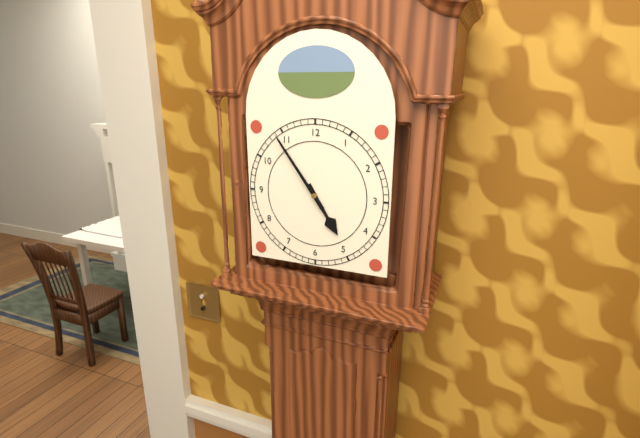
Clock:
4 h 54 min
